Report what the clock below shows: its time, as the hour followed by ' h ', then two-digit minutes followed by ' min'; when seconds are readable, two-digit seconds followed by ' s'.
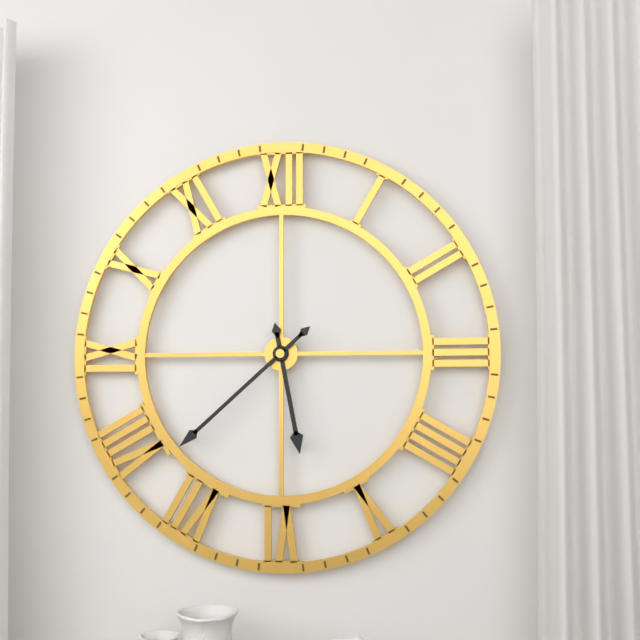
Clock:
5 h 38 min
